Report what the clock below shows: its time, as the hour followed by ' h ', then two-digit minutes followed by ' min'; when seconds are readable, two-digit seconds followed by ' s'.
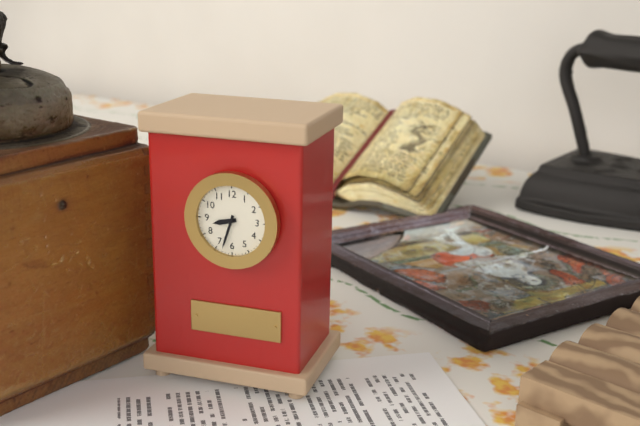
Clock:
8 h 33 min
